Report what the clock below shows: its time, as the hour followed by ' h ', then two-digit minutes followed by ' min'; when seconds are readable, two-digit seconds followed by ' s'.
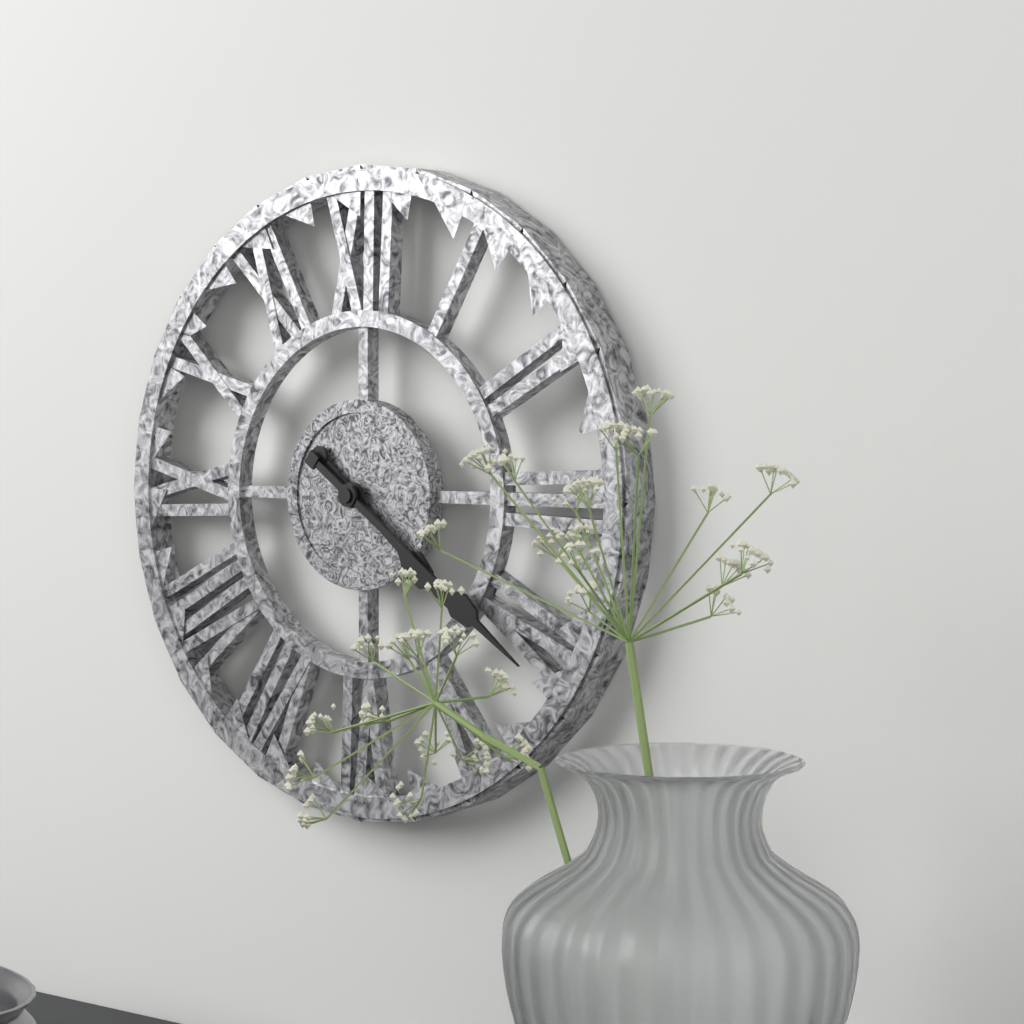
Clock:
4 h 21 min
